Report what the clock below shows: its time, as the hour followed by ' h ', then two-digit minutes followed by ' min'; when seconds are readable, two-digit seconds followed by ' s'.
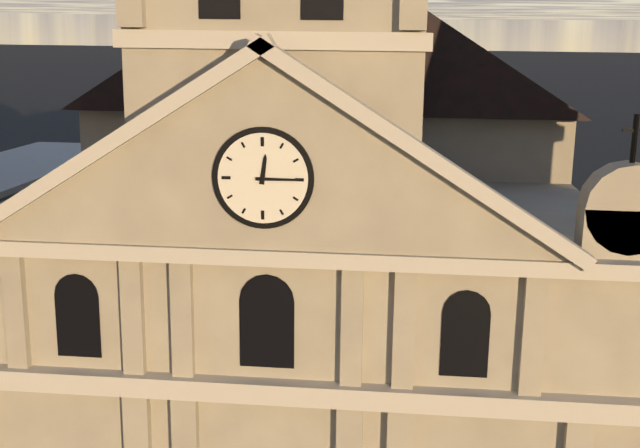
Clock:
12 h 15 min
